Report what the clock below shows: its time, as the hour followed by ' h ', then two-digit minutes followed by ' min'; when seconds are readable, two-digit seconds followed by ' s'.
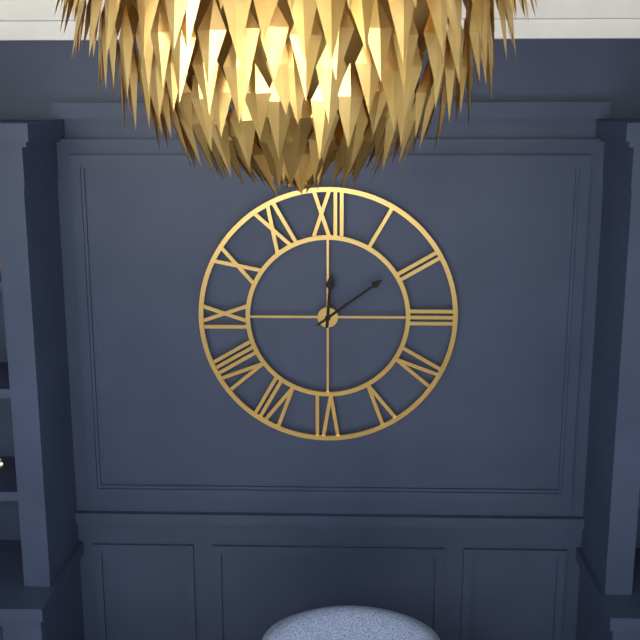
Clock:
12 h 09 min
